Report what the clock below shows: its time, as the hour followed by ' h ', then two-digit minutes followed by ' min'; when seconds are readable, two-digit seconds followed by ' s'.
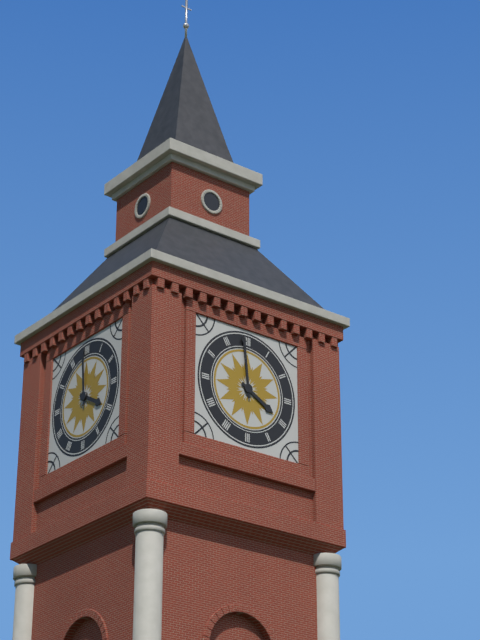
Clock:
3 h 59 min
